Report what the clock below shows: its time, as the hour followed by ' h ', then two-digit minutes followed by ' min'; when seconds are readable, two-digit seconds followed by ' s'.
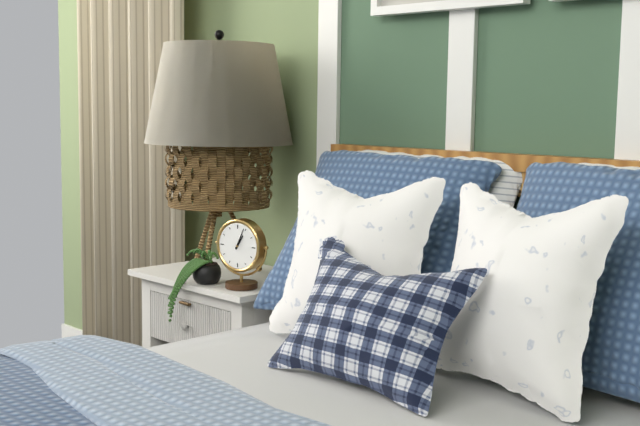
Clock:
1 h 04 min
